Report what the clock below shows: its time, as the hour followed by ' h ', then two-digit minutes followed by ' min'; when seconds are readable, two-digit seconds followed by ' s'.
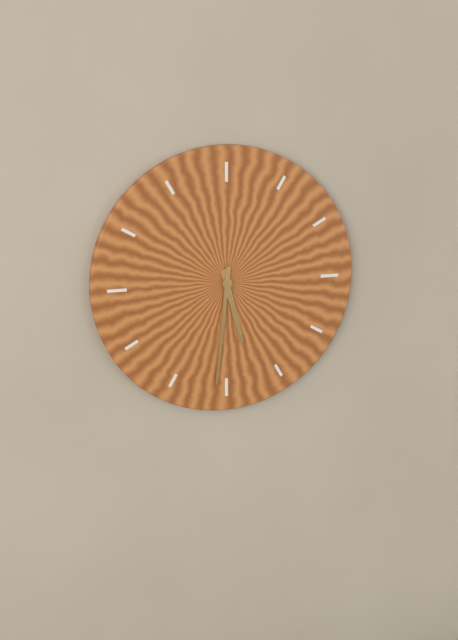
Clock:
5 h 31 min
